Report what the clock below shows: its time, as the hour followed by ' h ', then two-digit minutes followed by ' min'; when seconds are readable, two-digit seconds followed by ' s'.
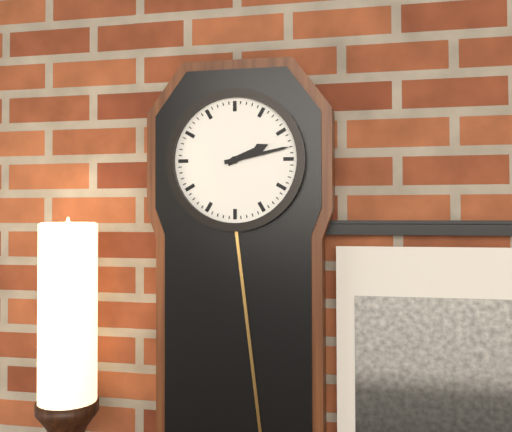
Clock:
2 h 13 min
